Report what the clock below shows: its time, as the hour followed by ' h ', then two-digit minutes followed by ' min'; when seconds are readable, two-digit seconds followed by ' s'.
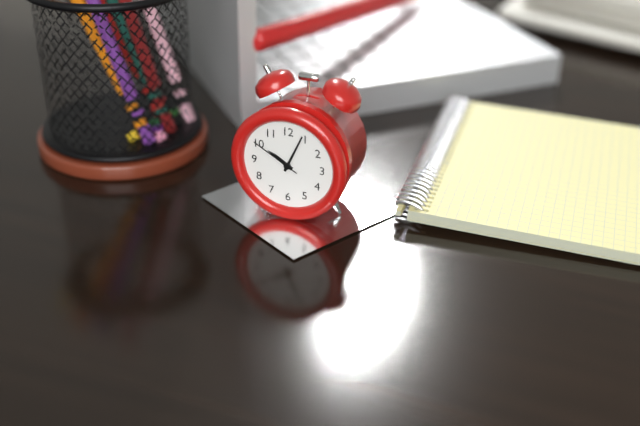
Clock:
10 h 04 min 50 s
